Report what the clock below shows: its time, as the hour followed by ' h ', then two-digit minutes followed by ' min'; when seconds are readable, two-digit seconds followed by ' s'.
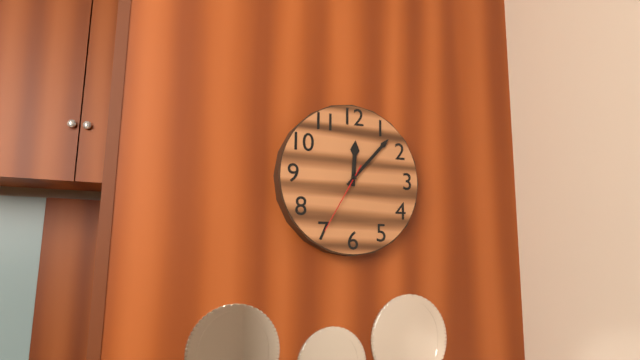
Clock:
12 h 07 min 35 s
